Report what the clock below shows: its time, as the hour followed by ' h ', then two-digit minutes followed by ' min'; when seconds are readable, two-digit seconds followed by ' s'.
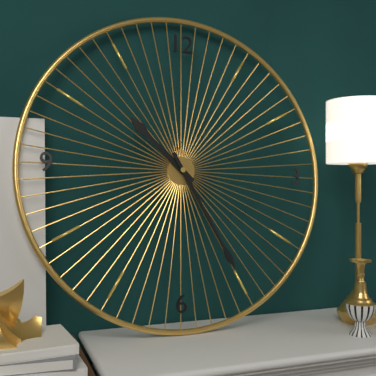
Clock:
10 h 25 min
